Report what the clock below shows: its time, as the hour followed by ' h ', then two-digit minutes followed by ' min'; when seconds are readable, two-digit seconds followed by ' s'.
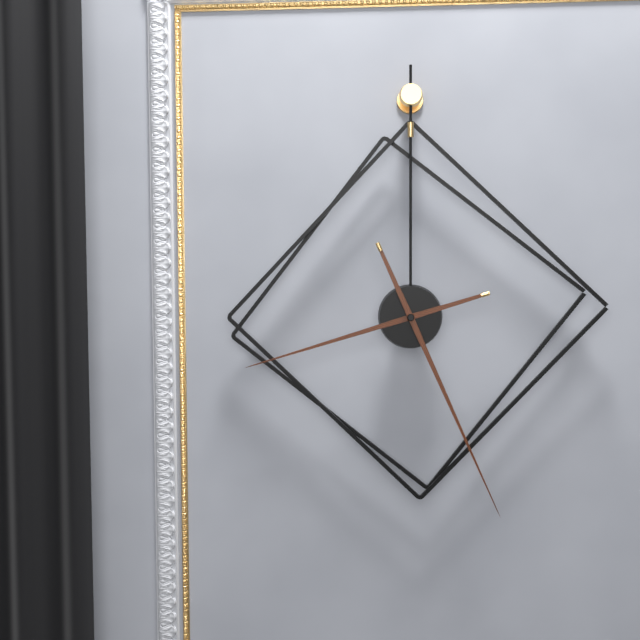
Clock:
8 h 26 min
